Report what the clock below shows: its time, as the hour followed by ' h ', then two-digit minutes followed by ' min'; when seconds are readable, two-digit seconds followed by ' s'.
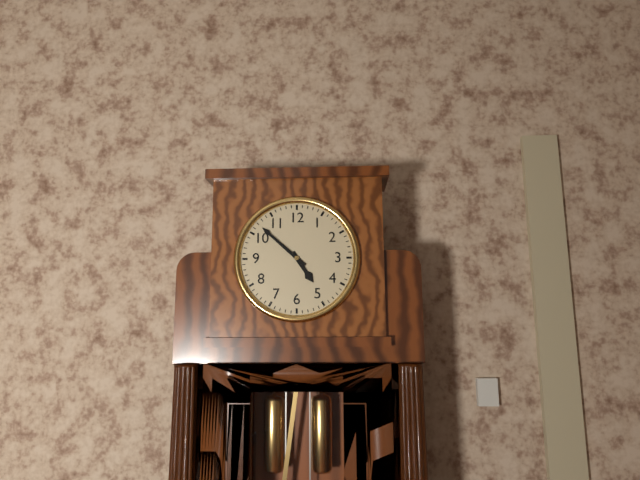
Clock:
4 h 52 min
